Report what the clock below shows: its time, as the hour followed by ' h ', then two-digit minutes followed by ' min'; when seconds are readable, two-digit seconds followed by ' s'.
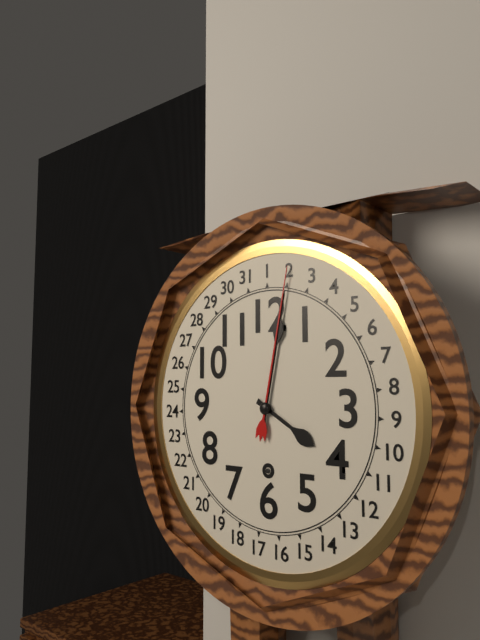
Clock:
4 h 02 min
